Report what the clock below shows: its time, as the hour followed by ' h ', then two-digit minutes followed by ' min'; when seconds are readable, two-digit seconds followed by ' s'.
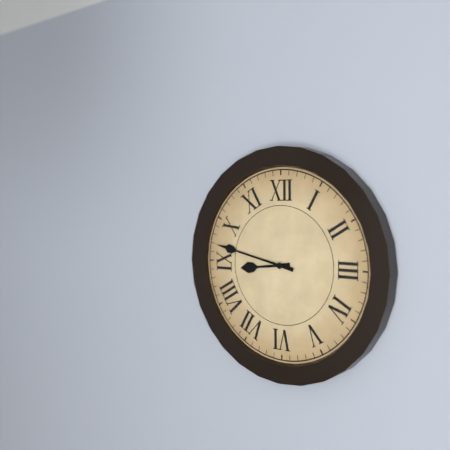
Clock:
8 h 47 min
